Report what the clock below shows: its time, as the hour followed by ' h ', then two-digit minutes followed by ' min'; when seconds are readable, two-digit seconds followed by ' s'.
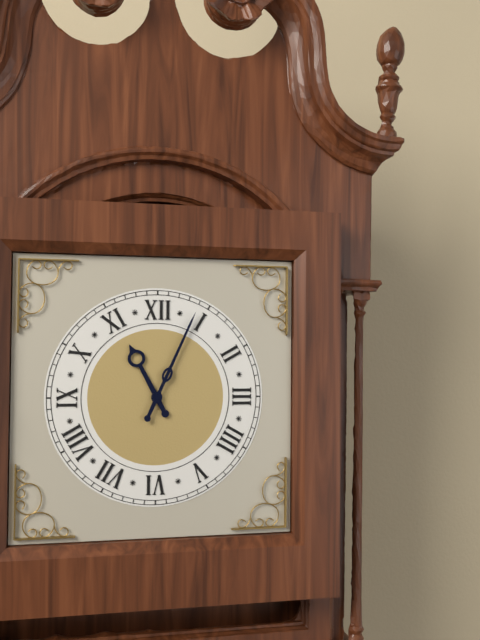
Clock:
11 h 04 min
